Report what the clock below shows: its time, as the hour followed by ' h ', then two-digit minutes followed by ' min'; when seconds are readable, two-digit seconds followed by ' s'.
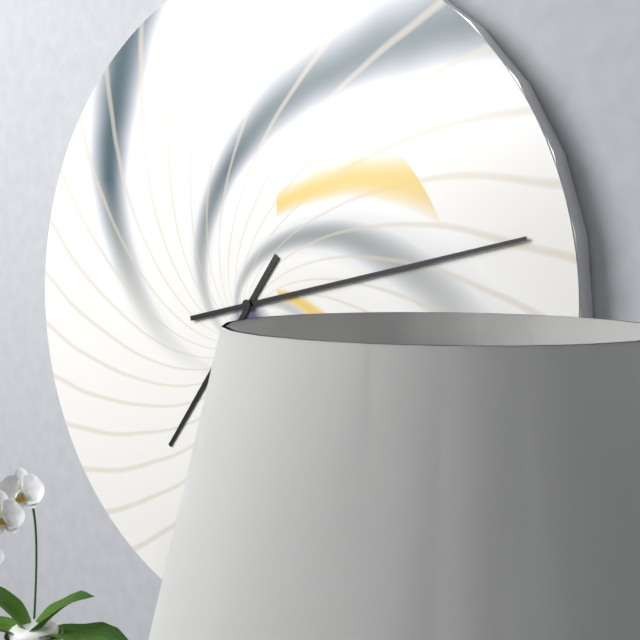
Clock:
7 h 13 min
